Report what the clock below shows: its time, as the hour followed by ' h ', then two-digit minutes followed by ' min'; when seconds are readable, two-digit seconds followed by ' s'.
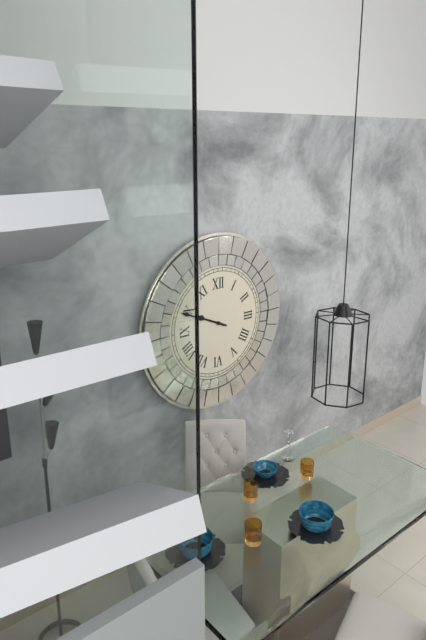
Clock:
9 h 49 min
